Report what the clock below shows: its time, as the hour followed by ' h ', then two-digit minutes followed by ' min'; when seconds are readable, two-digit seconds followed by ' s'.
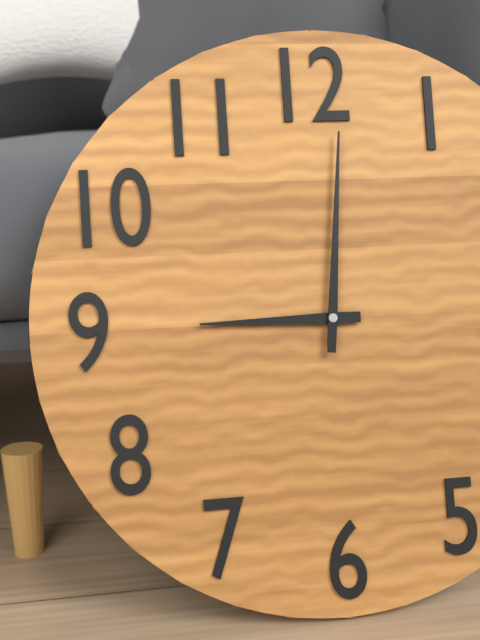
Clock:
9 h 01 min
